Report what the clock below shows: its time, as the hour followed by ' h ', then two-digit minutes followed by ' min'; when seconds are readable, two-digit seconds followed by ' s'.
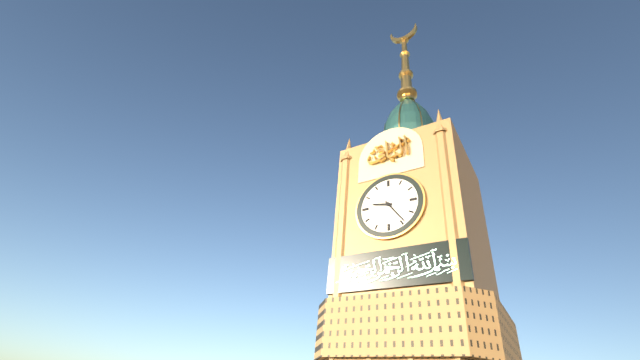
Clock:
9 h 24 min
